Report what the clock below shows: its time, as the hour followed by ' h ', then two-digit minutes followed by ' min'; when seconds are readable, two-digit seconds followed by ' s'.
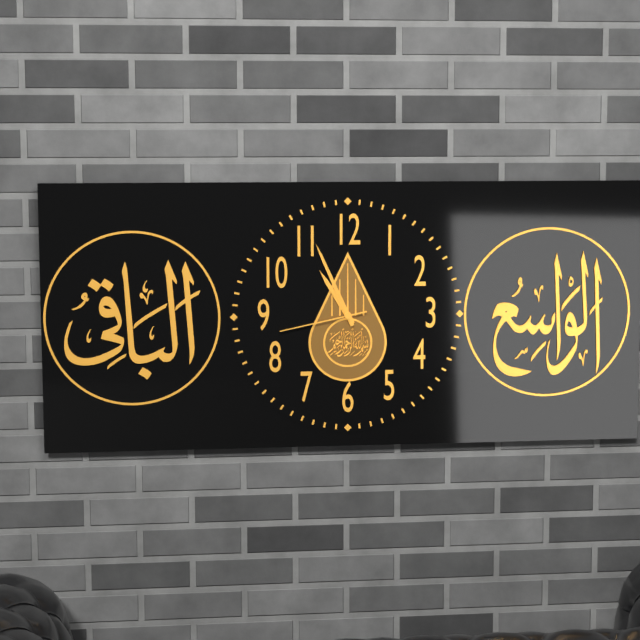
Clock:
10 h 56 min 43 s
